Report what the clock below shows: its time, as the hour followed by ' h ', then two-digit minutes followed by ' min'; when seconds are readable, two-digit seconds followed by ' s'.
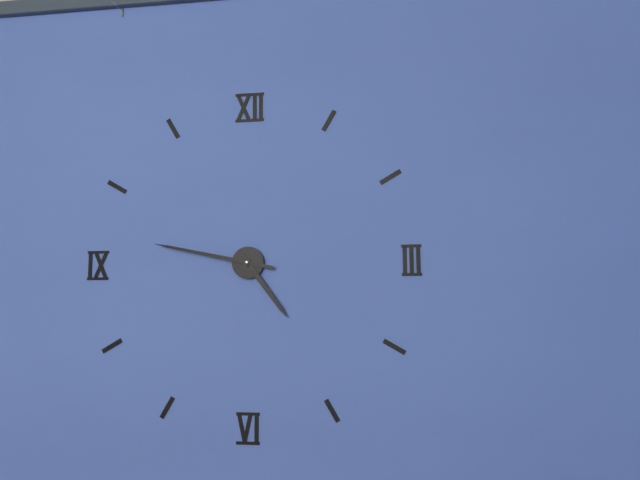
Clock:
4 h 47 min
